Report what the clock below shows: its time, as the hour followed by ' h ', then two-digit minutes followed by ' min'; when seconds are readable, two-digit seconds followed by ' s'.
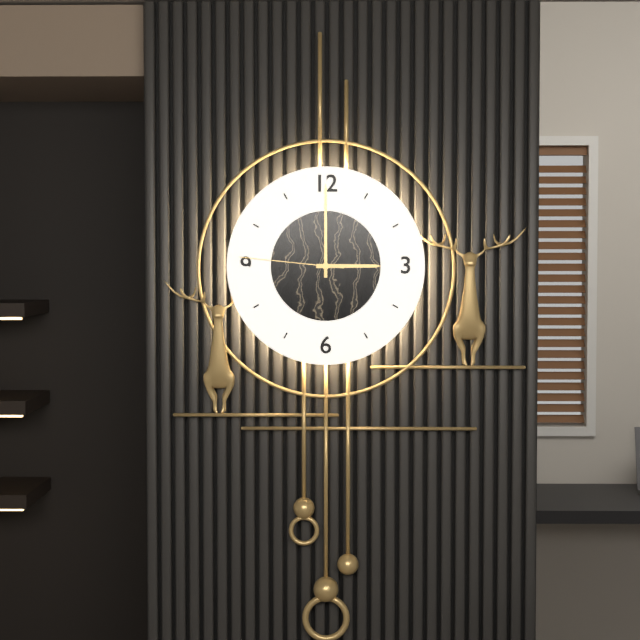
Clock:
3 h 00 min 46 s
